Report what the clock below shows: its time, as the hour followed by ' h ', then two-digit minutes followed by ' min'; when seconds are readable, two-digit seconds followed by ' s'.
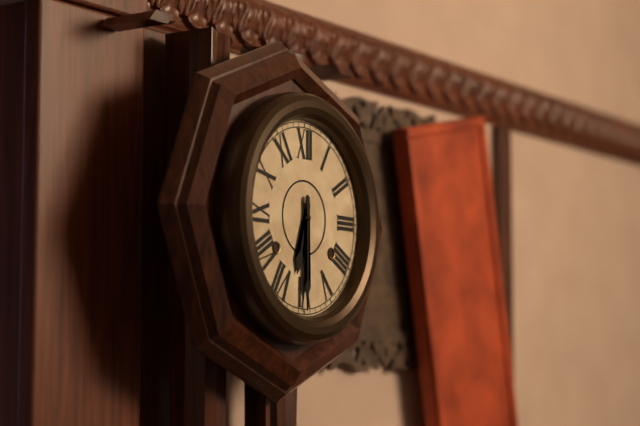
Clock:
6 h 30 min
